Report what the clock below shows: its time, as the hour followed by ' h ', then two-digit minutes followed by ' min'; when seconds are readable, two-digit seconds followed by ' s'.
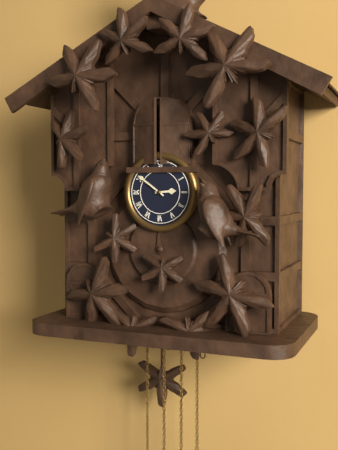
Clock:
2 h 51 min
